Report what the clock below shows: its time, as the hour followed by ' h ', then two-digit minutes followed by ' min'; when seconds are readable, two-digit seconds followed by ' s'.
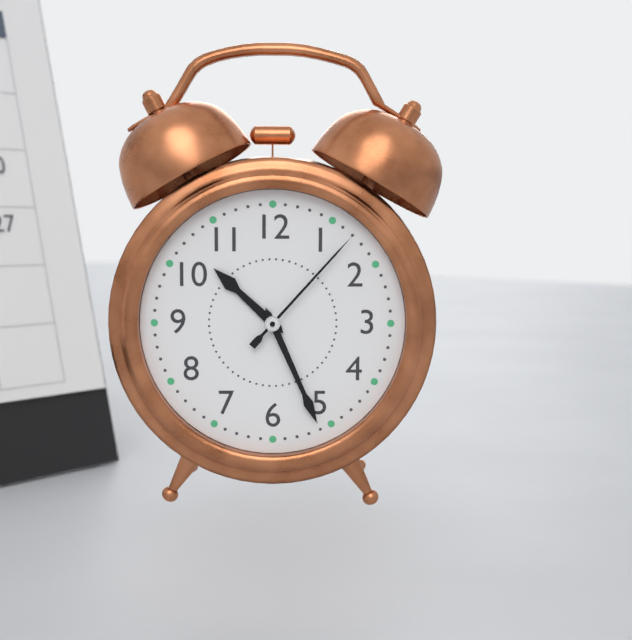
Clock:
10 h 26 min 07 s
